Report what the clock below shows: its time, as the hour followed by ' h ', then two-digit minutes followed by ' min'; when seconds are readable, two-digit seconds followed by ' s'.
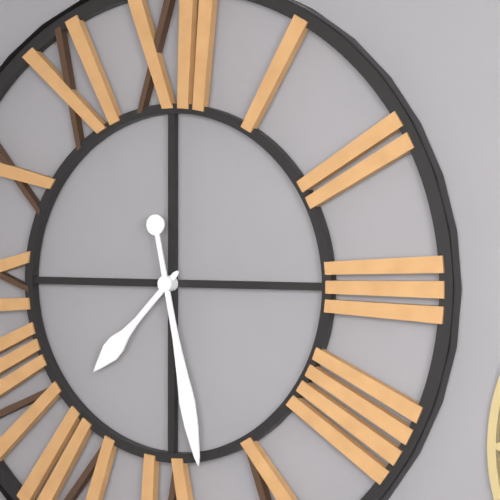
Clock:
7 h 28 min
